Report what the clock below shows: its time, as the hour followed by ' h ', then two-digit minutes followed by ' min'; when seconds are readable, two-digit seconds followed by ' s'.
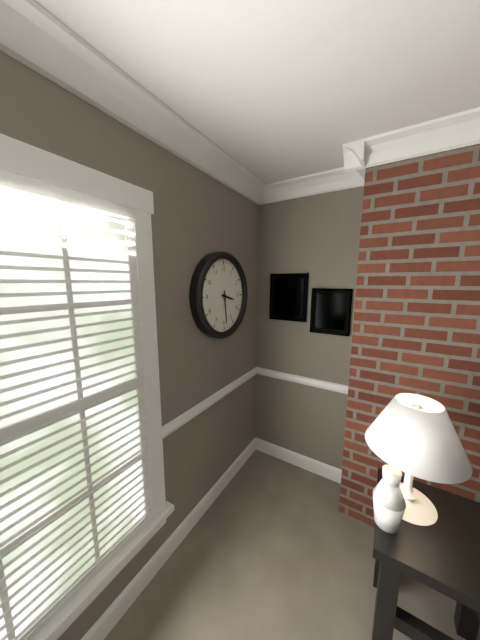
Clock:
3 h 29 min
